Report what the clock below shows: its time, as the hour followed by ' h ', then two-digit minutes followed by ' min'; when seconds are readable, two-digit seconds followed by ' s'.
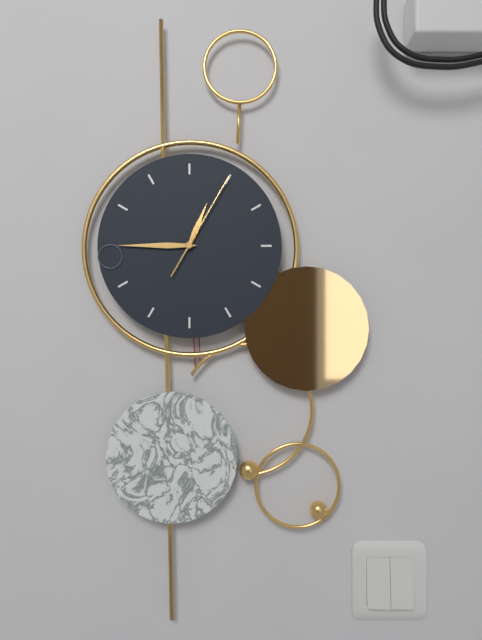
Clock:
12 h 45 min 05 s
